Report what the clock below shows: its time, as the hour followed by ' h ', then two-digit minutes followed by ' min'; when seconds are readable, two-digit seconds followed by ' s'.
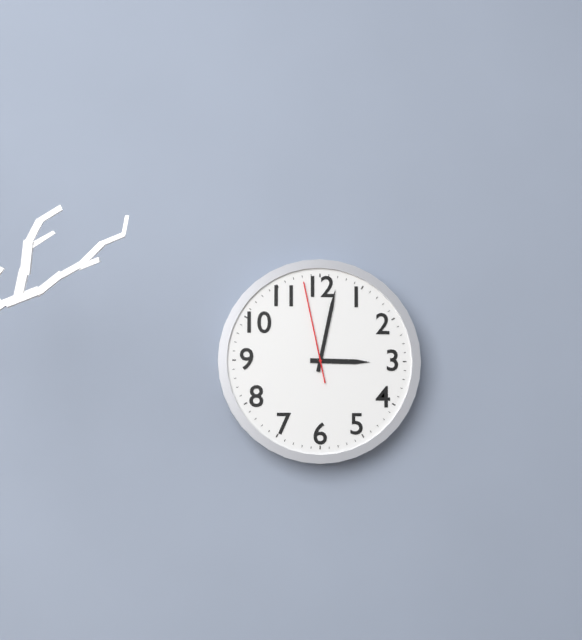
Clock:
3 h 02 min 58 s
